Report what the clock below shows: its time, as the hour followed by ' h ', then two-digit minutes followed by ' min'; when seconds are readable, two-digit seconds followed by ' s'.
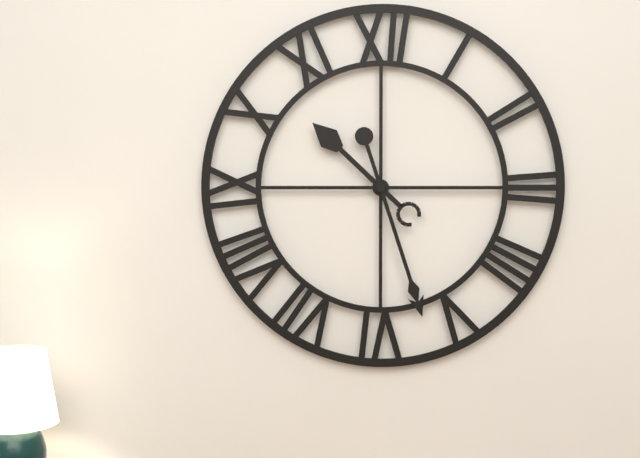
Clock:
10 h 27 min
